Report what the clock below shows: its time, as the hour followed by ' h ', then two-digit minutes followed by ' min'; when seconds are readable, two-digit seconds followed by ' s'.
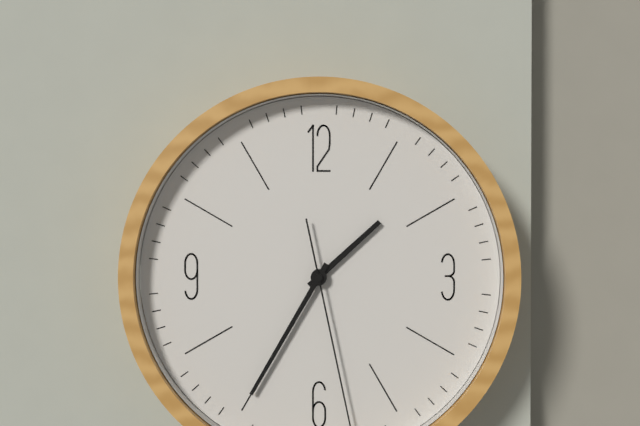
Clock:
1 h 35 min
